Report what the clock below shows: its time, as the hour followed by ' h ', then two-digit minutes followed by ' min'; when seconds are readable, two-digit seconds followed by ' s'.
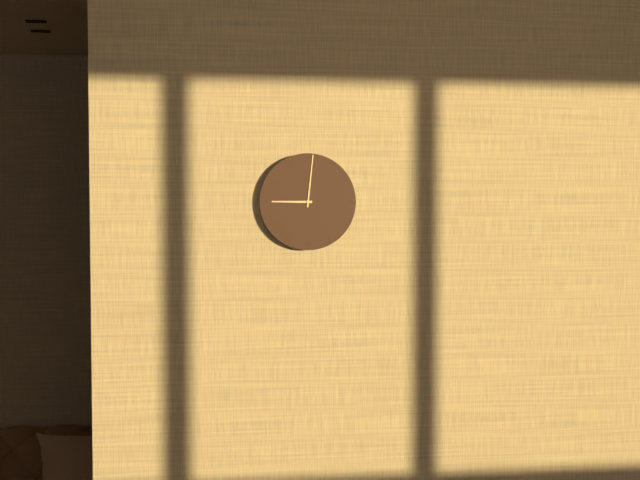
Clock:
9 h 01 min
